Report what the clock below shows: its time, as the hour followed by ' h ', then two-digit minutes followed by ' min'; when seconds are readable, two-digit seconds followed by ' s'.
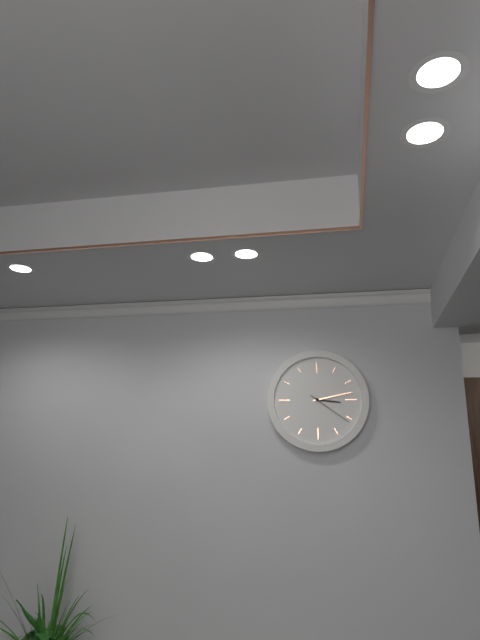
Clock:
3 h 13 min
